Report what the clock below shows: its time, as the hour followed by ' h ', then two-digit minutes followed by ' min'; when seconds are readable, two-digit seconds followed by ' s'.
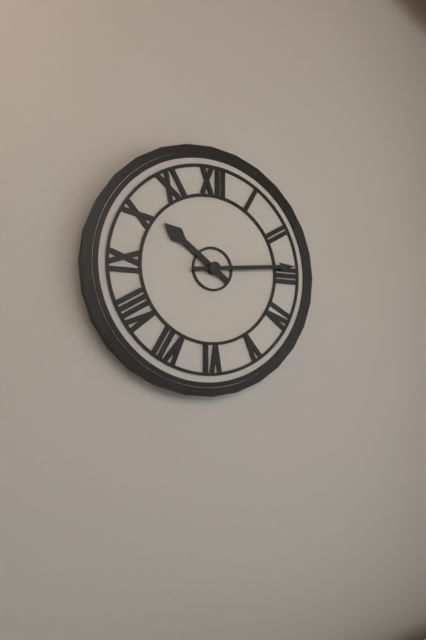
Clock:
10 h 14 min
